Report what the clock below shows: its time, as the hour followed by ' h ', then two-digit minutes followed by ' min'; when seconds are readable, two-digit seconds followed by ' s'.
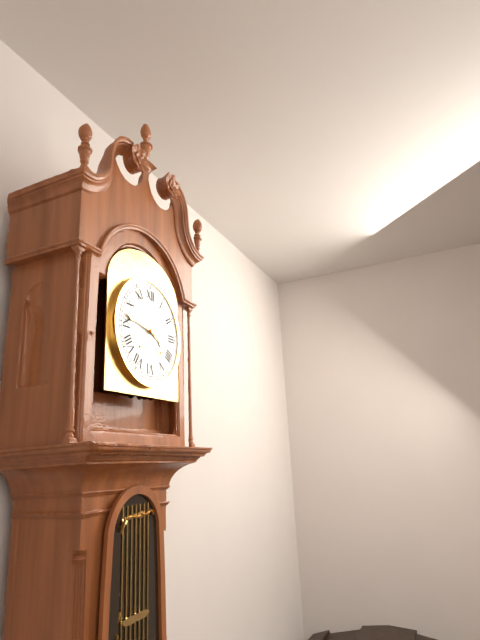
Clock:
3 h 47 min
